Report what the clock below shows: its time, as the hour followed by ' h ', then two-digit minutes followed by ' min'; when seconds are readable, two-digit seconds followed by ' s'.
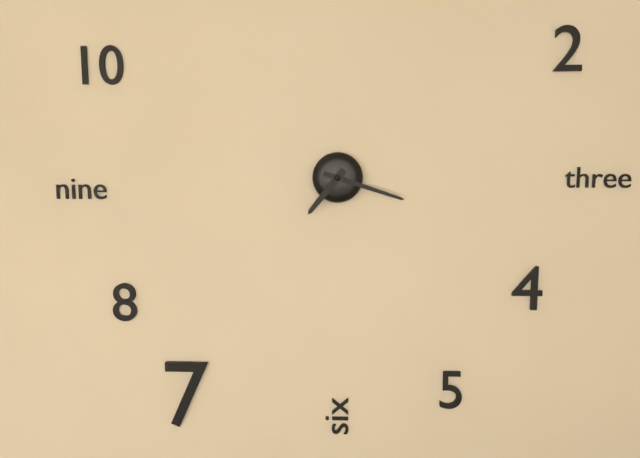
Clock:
7 h 18 min
